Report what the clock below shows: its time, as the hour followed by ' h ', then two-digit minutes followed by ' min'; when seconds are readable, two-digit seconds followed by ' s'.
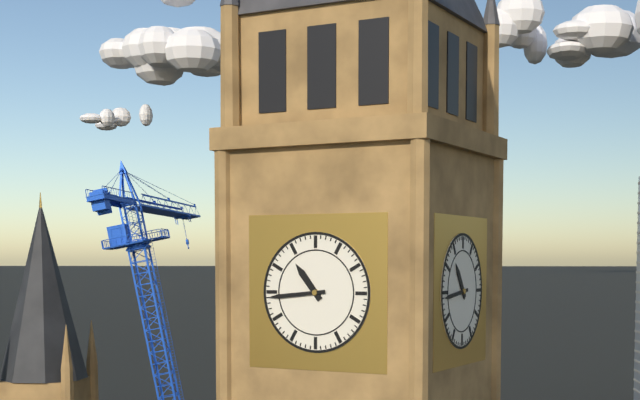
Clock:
10 h 44 min
